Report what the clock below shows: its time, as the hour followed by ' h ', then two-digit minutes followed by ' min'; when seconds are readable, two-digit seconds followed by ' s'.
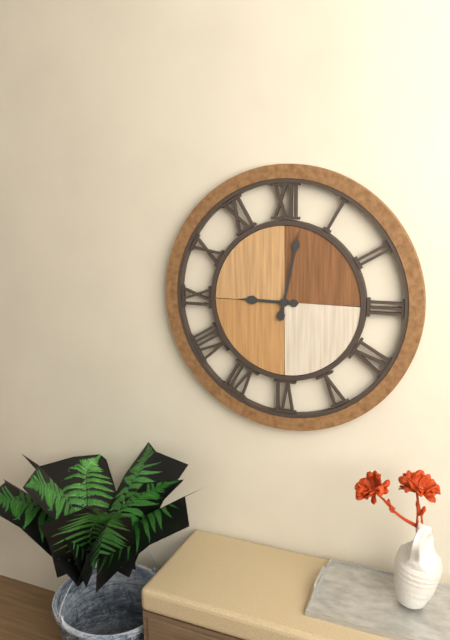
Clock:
9 h 02 min
